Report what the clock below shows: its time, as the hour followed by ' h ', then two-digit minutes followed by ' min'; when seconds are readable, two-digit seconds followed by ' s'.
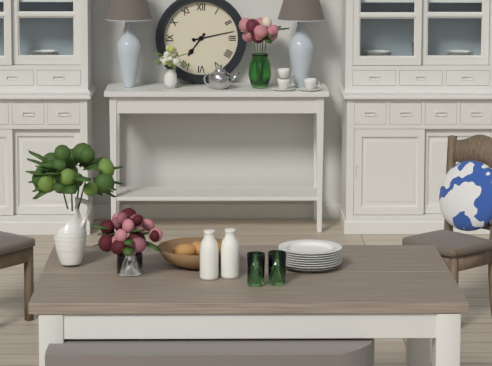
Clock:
7 h 13 min
